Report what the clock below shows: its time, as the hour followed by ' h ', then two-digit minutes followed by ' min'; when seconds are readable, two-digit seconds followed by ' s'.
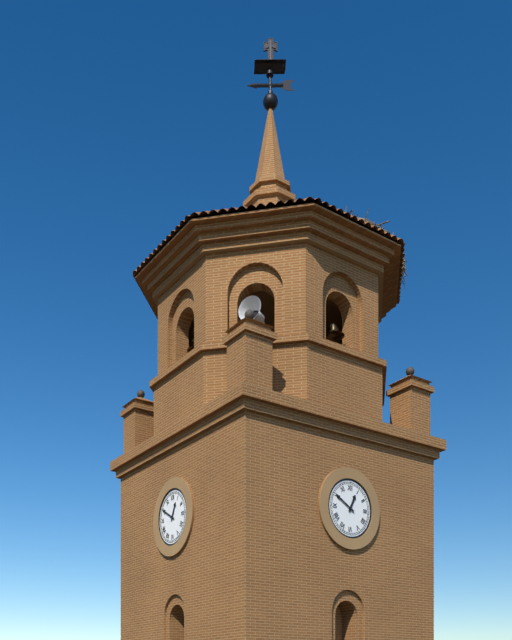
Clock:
12 h 50 min
